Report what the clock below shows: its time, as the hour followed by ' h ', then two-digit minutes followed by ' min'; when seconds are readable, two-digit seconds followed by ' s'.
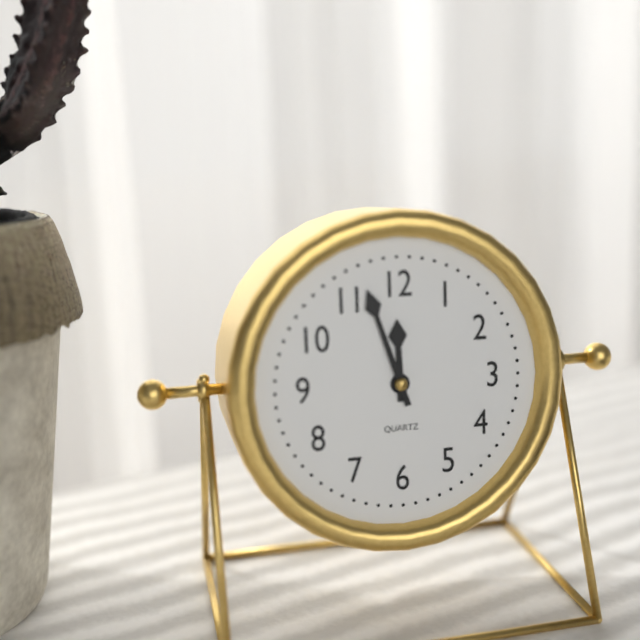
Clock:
11 h 57 min
